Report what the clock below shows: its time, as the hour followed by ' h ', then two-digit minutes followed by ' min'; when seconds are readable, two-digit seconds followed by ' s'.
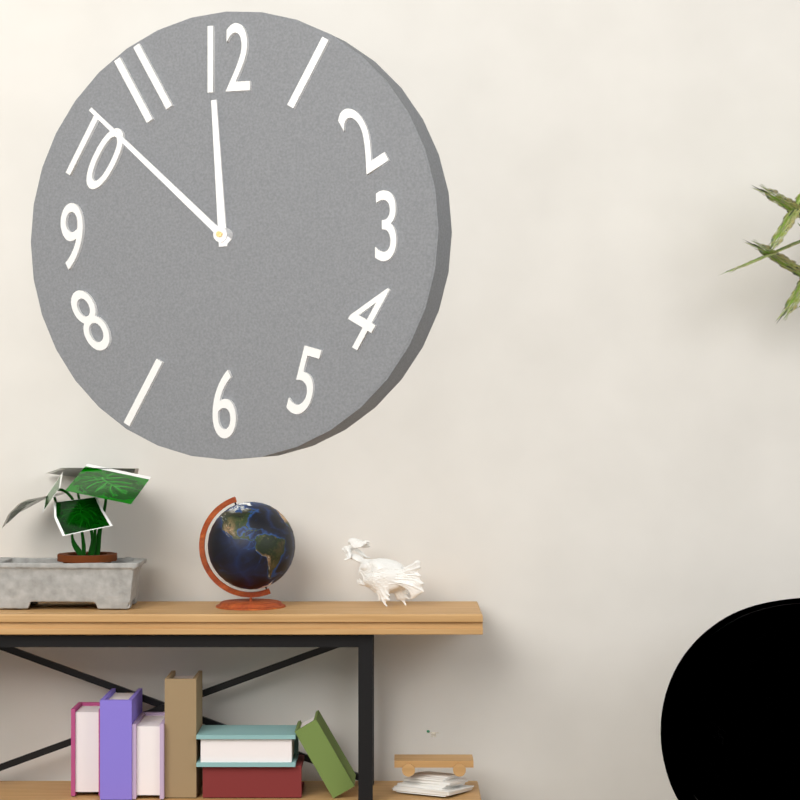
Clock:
11 h 52 min
